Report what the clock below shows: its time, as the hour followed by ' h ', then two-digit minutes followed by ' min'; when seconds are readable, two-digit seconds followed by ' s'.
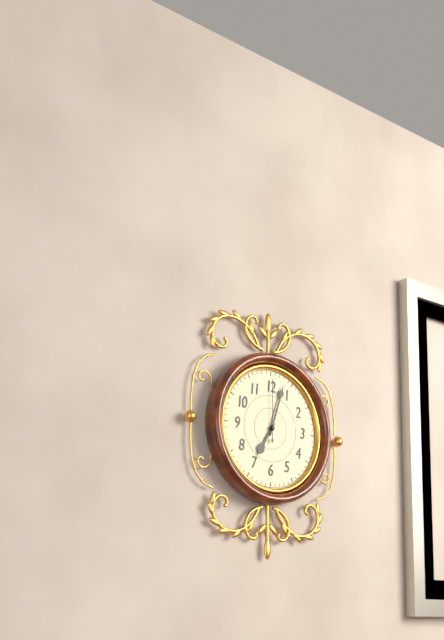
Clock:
7 h 03 min 00 s
